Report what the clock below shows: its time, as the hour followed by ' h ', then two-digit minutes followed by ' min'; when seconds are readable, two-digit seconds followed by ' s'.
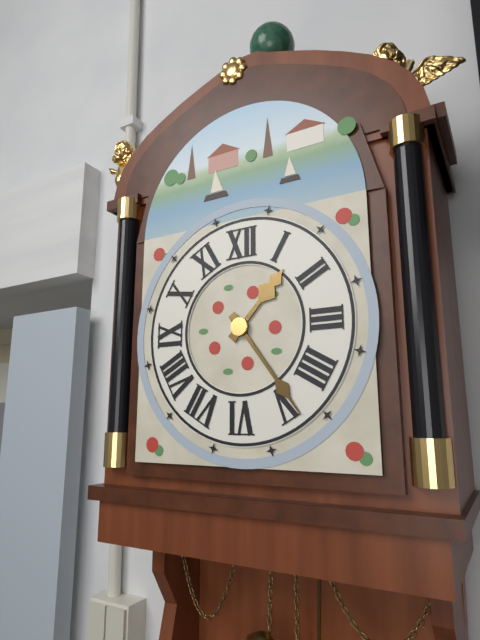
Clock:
1 h 24 min
